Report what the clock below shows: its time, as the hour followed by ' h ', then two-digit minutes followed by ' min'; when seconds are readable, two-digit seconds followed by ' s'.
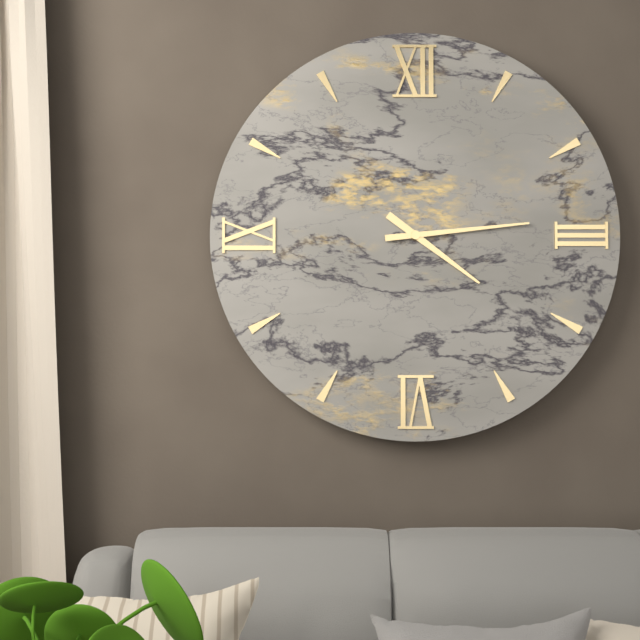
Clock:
4 h 14 min
